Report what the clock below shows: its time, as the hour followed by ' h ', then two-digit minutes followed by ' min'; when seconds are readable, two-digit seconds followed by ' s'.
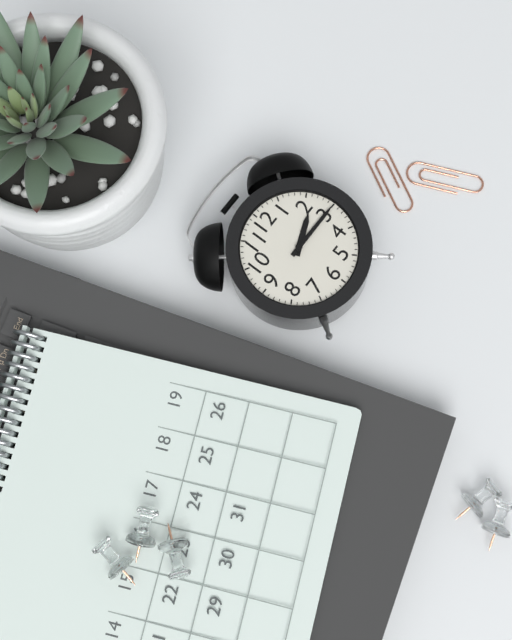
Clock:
2 h 15 min
